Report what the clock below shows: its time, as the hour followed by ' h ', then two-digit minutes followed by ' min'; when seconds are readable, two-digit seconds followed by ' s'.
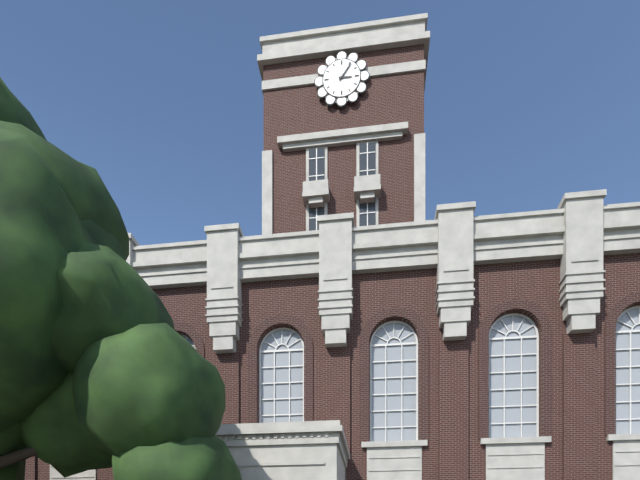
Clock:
3 h 06 min
